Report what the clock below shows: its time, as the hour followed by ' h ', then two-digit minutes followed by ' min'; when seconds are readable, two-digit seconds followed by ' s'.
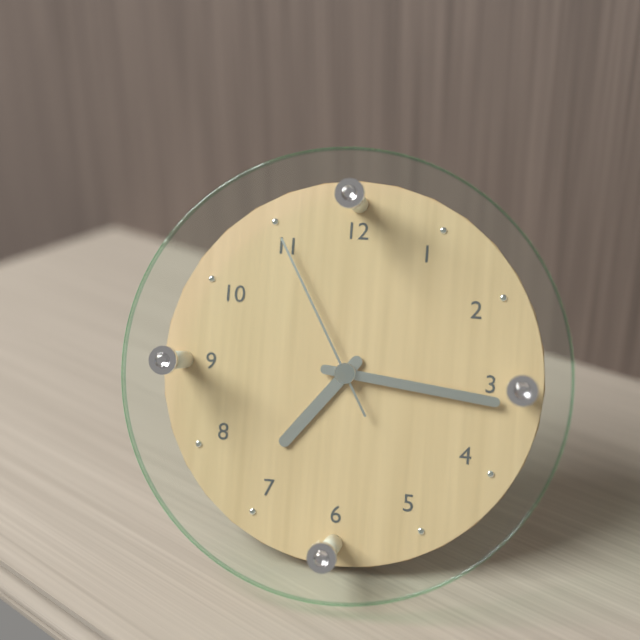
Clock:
7 h 16 min 55 s
